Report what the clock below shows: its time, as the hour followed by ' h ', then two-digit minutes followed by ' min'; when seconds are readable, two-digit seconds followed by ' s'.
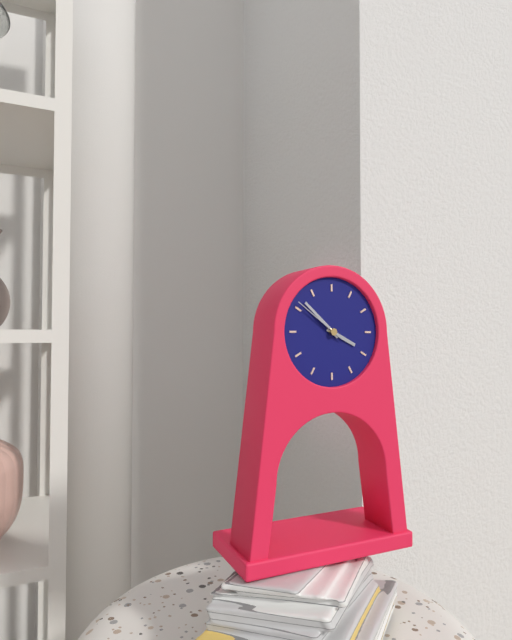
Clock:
3 h 52 min 51 s
